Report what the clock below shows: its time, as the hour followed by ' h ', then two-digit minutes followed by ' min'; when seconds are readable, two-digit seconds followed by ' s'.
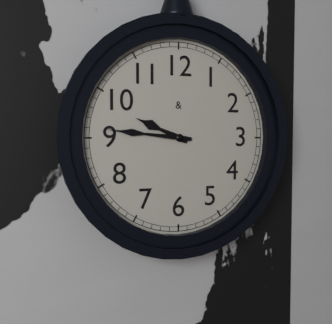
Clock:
9 h 46 min
